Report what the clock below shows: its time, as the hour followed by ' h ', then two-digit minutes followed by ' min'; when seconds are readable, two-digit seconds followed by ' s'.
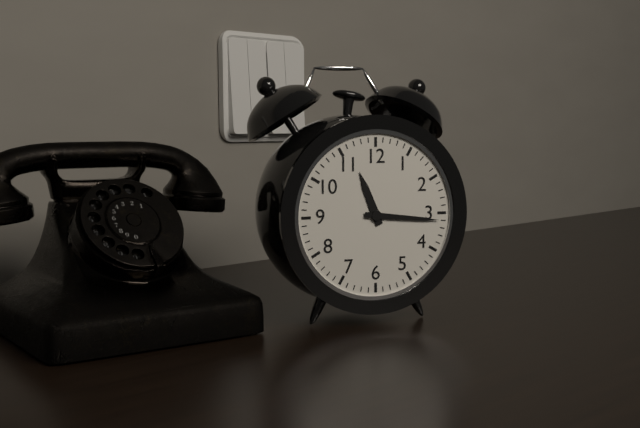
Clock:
11 h 16 min
